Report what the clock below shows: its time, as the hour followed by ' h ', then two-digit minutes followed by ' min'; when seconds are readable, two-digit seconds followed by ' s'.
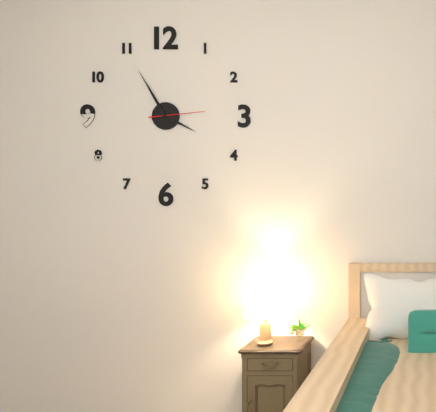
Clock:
3 h 55 min
